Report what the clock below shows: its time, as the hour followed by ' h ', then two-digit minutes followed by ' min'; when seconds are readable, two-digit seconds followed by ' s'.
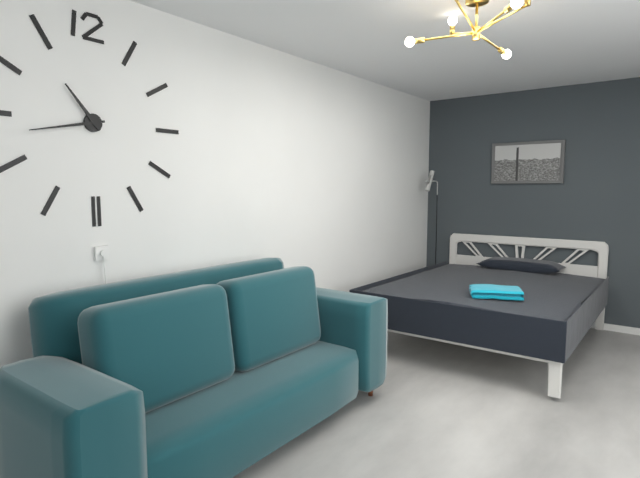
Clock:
10 h 43 min
